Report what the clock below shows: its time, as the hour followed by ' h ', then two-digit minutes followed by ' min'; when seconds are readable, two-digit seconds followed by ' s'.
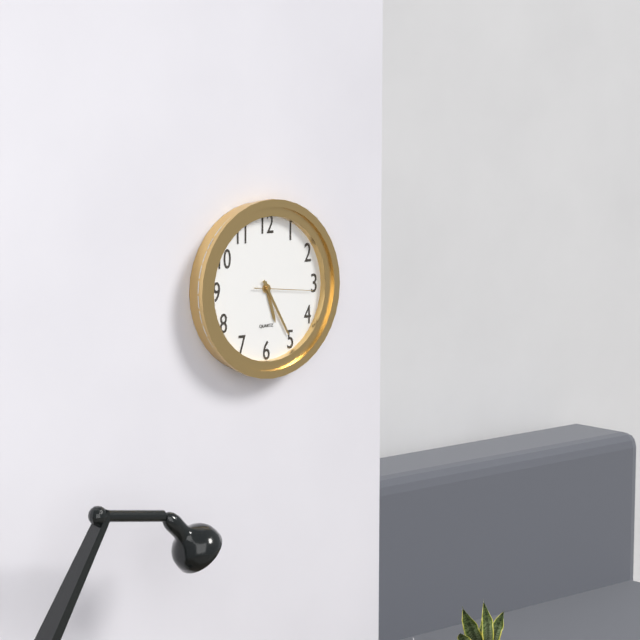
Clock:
5 h 25 min 16 s
